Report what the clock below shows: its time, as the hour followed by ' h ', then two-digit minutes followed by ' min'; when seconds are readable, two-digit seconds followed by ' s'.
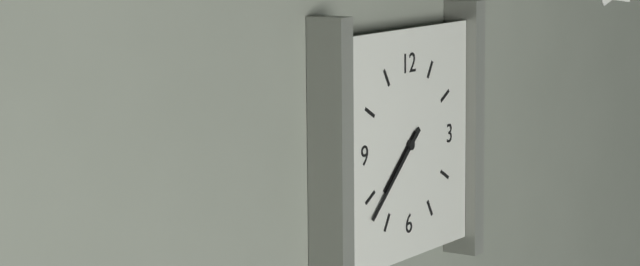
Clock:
7 h 38 min
